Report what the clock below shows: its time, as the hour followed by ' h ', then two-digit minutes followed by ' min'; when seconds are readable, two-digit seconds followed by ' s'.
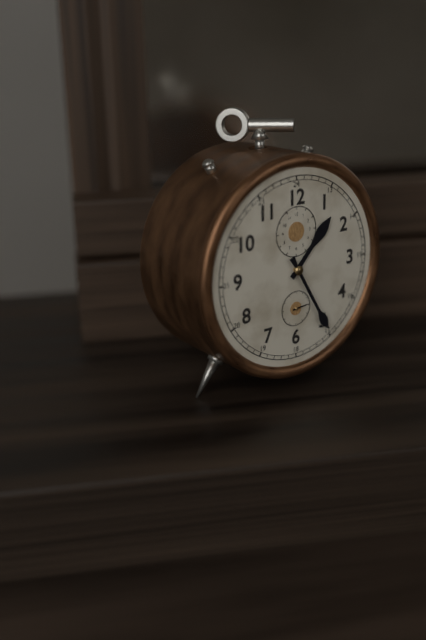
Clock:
1 h 25 min
